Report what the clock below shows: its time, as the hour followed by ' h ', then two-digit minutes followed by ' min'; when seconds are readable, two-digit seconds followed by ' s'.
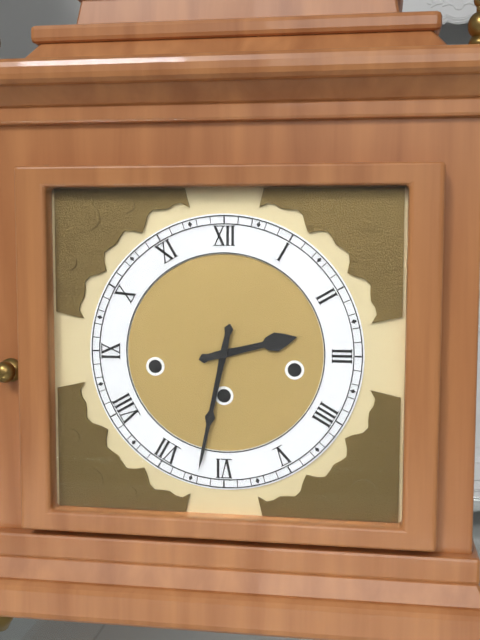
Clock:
2 h 32 min
